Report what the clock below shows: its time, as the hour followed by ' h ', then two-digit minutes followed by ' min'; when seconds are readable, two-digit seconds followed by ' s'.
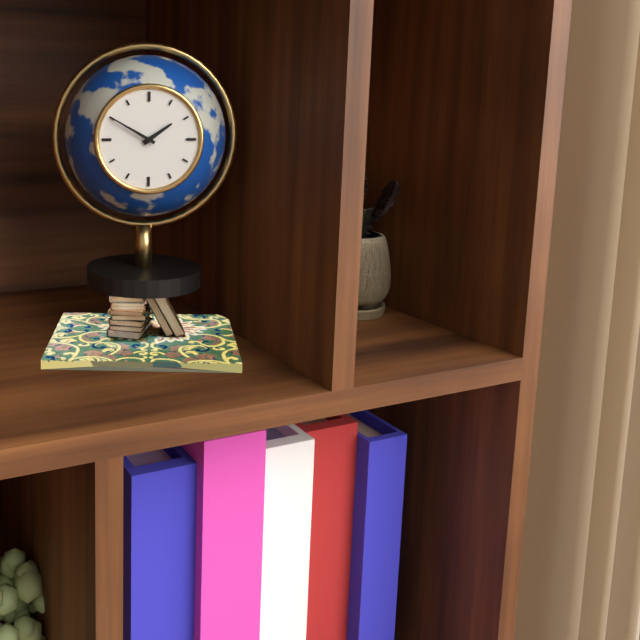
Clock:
1 h 50 min
